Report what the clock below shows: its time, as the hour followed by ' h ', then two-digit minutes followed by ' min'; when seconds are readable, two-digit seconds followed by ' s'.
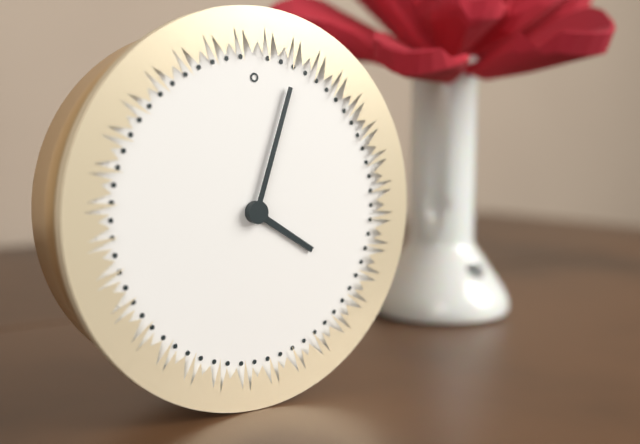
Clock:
4 h 03 min
